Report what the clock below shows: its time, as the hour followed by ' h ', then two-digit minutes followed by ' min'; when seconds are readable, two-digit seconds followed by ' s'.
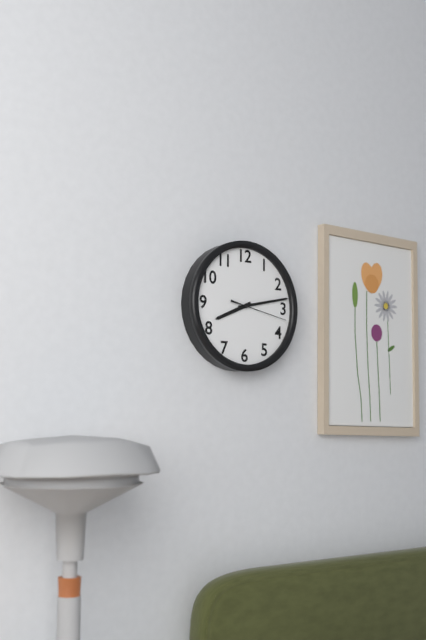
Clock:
8 h 13 min 17 s
